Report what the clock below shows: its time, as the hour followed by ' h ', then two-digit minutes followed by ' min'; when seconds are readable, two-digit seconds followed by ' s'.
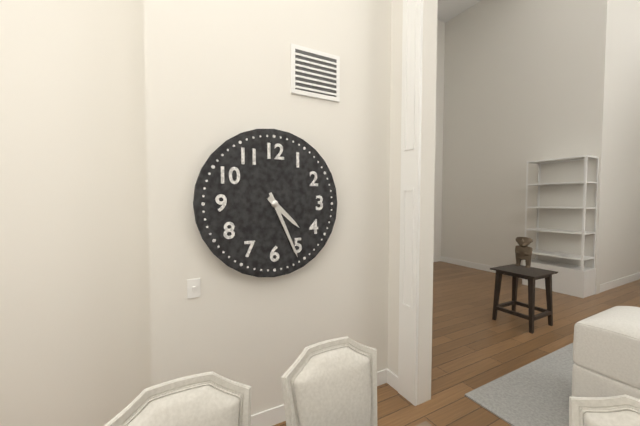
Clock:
4 h 26 min
